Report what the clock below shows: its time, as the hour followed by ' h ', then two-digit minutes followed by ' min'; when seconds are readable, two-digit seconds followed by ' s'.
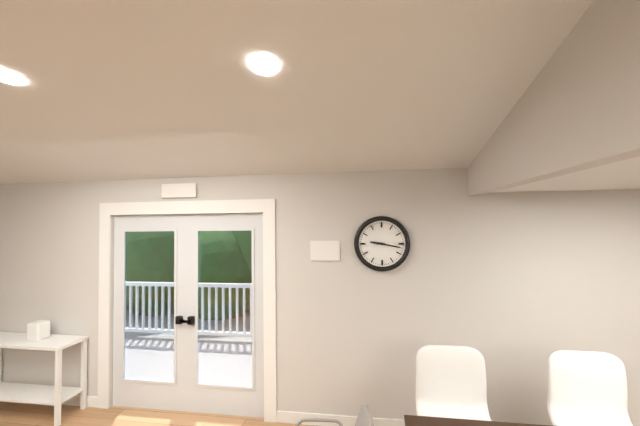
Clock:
9 h 17 min
